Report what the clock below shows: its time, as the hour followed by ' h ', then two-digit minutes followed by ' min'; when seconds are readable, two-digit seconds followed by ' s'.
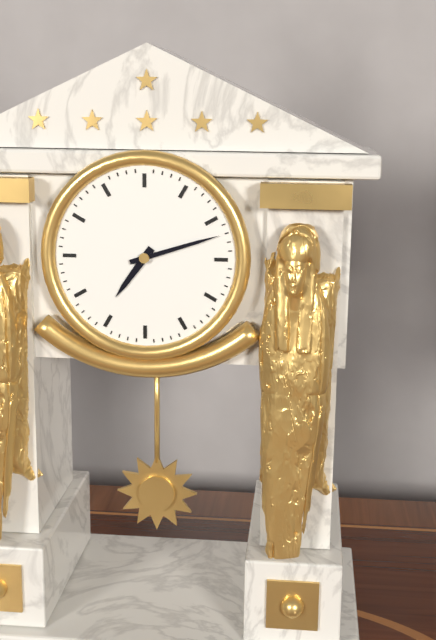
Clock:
7 h 12 min
